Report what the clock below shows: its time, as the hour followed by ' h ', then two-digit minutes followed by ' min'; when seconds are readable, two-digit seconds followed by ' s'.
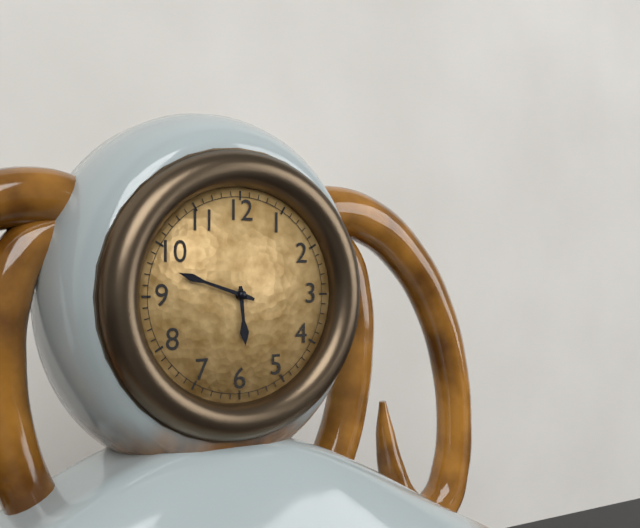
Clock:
5 h 48 min
